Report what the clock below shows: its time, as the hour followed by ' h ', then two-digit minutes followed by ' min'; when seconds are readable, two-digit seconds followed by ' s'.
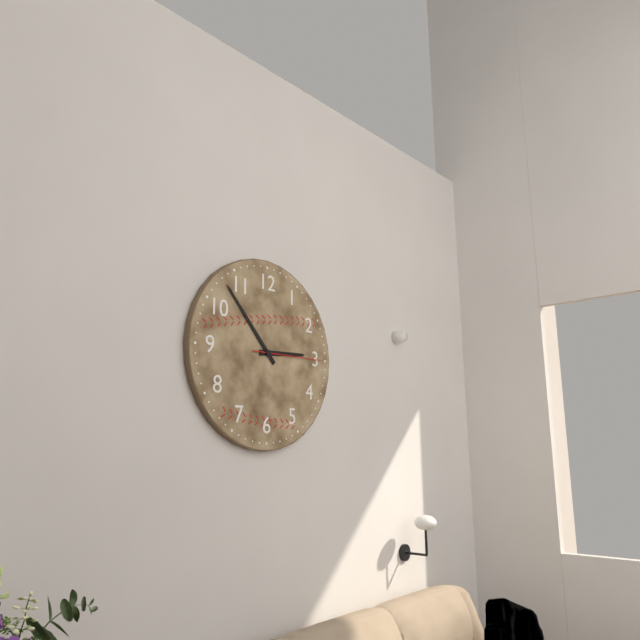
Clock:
2 h 53 min 15 s
